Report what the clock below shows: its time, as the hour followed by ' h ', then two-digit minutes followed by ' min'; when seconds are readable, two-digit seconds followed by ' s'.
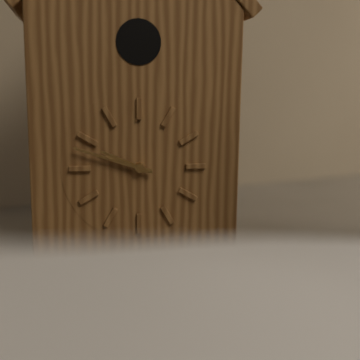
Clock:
9 h 48 min
